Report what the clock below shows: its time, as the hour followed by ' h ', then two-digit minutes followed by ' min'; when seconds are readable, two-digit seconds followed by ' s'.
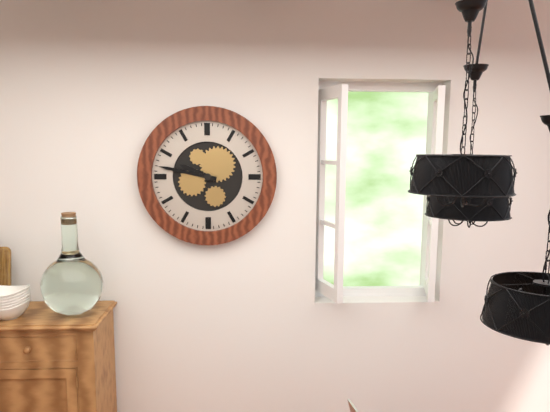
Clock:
9 h 47 min
